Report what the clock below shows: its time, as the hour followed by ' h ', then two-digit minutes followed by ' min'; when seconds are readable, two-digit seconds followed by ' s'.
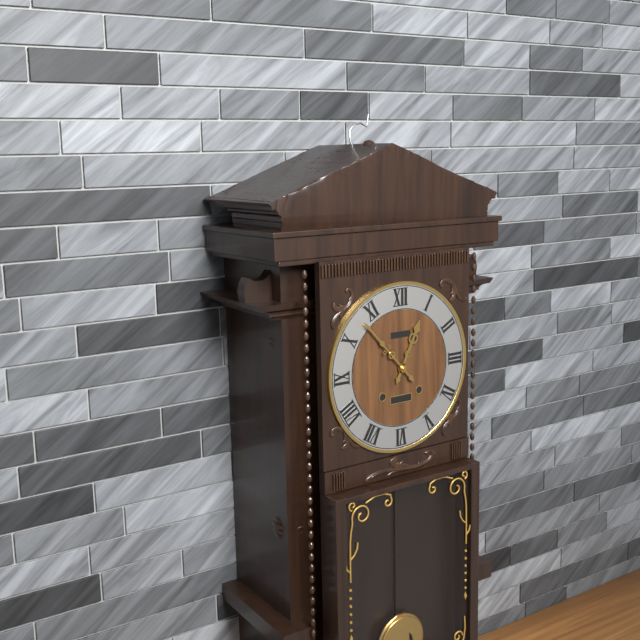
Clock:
12 h 53 min
